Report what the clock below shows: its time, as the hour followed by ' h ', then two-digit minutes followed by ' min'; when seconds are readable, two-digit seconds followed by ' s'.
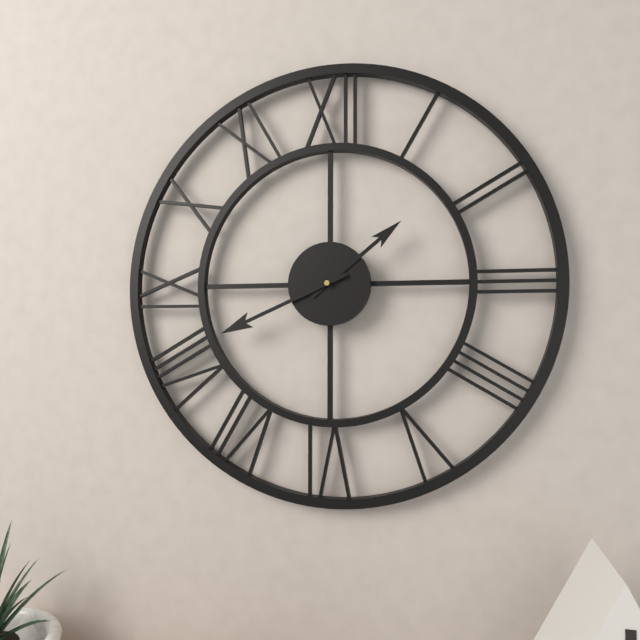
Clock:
1 h 41 min
